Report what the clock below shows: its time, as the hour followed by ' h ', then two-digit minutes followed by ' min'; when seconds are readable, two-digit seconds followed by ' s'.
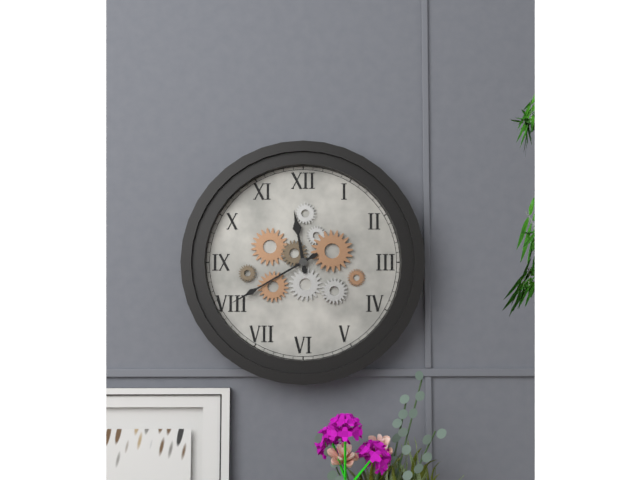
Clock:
11 h 40 min
